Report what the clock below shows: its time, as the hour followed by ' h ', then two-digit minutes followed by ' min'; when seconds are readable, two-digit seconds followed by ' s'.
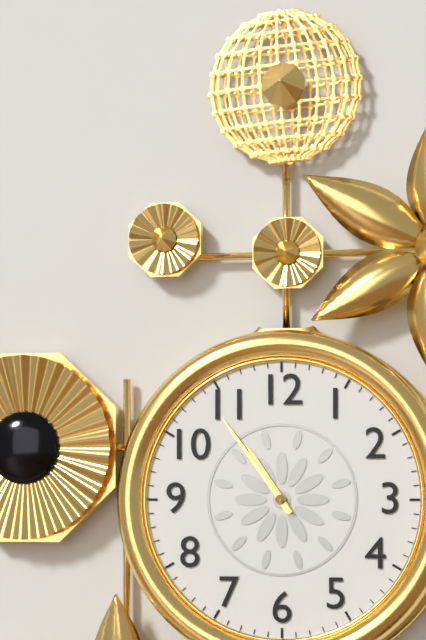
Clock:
10 h 54 min
